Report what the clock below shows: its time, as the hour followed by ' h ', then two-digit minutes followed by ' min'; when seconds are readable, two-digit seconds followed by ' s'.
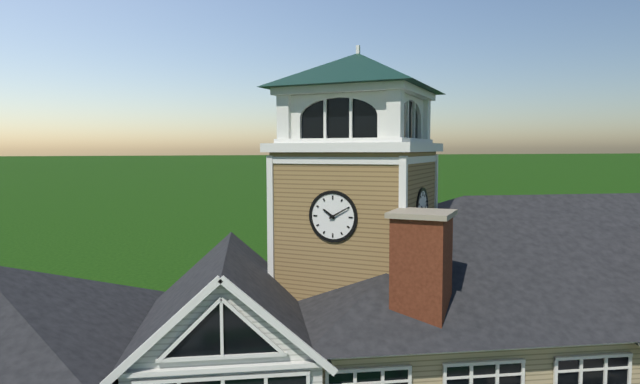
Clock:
10 h 10 min
